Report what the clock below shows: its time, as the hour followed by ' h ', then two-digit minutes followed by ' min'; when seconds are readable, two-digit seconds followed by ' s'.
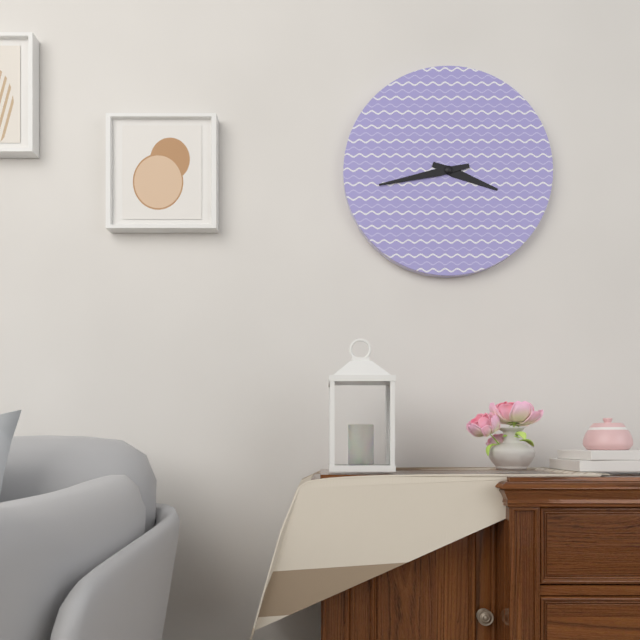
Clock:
3 h 43 min
